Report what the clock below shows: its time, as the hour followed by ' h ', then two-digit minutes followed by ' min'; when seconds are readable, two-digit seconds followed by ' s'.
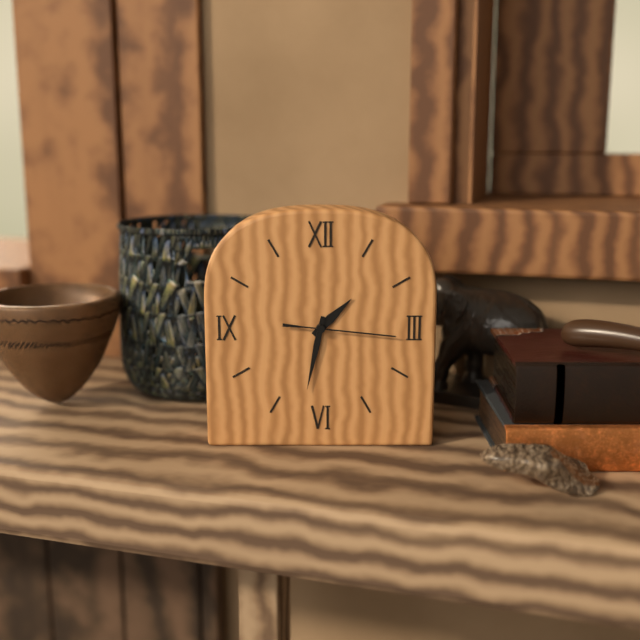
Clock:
1 h 32 min 16 s
